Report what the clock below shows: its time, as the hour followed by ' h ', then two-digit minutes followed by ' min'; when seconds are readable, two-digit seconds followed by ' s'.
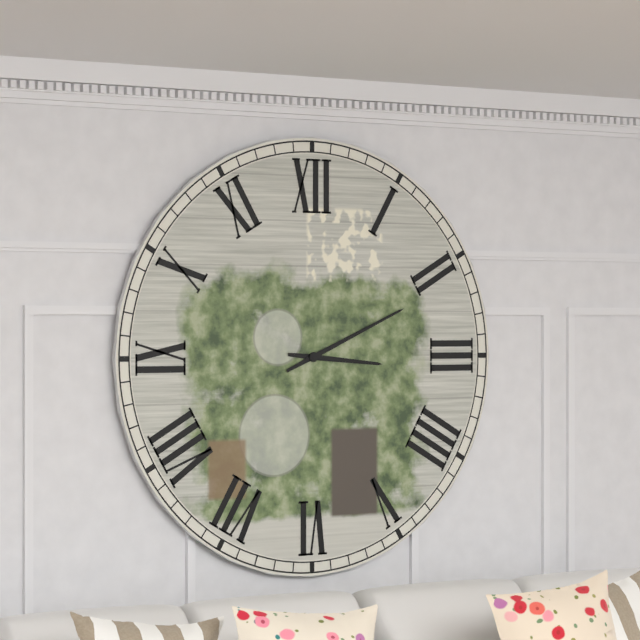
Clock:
3 h 11 min
